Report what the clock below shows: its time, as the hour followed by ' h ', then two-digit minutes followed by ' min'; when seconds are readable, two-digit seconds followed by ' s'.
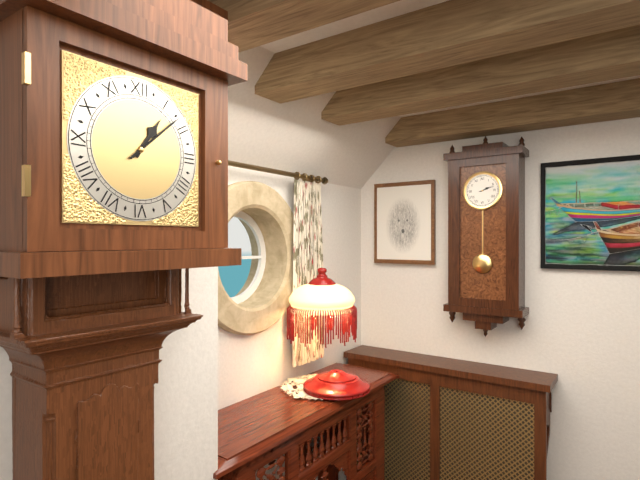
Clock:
1 h 08 min
